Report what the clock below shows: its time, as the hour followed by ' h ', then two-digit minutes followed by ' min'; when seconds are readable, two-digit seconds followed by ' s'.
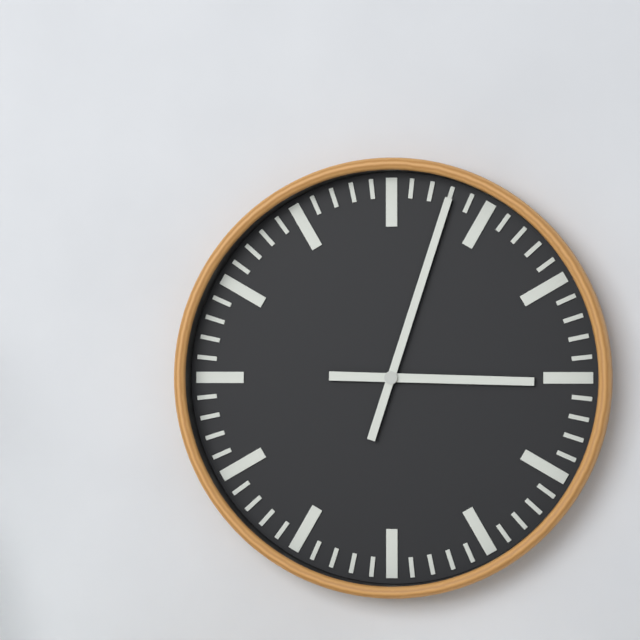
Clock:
3 h 03 min
